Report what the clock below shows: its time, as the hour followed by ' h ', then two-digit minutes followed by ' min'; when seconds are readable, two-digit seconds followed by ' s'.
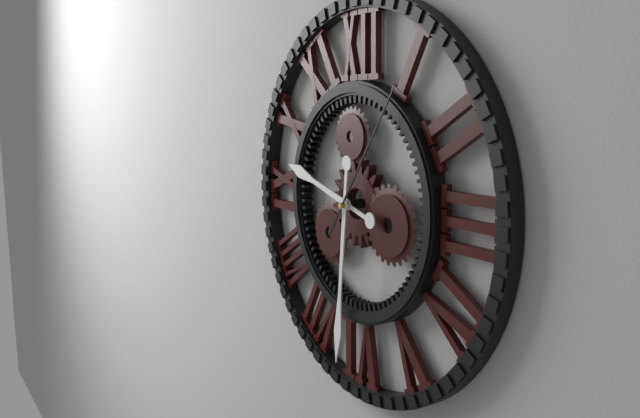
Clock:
9 h 31 min 06 s
